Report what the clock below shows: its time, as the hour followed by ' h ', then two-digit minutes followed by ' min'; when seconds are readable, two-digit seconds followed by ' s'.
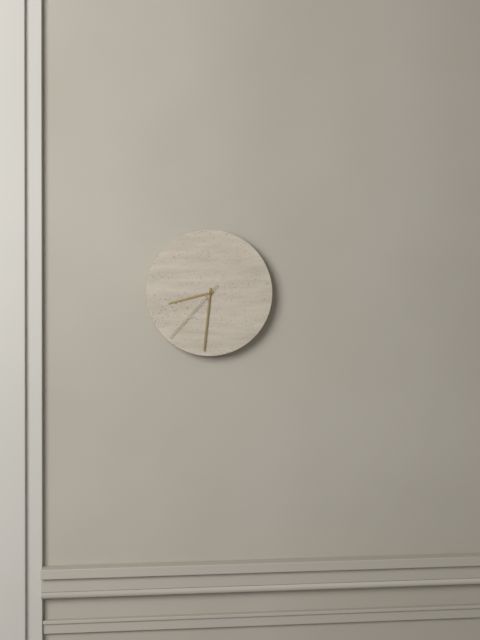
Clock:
8 h 31 min 37 s
